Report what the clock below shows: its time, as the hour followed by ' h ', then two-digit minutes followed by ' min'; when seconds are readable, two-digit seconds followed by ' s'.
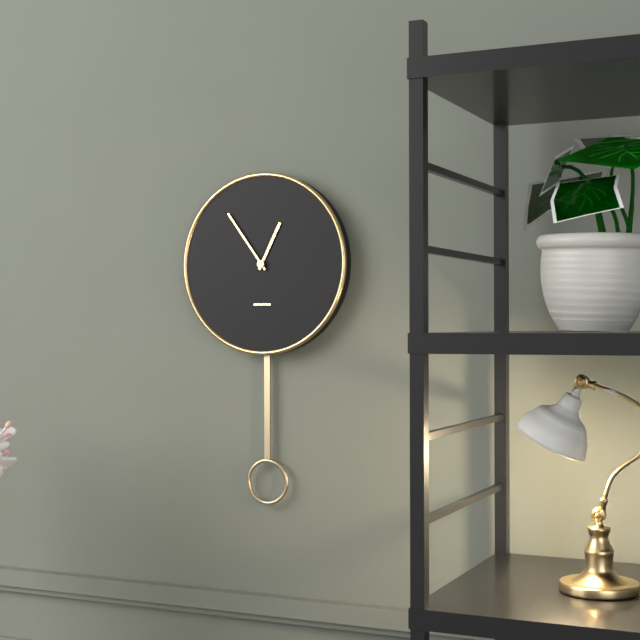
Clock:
12 h 54 min
